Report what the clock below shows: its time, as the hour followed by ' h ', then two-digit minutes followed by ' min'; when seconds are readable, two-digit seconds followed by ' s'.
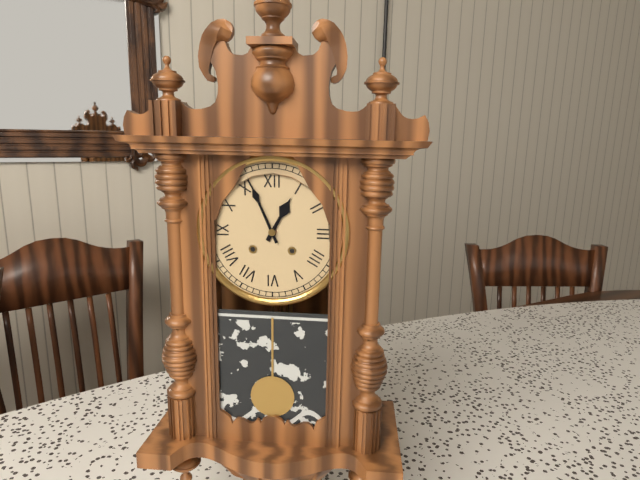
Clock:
12 h 56 min
